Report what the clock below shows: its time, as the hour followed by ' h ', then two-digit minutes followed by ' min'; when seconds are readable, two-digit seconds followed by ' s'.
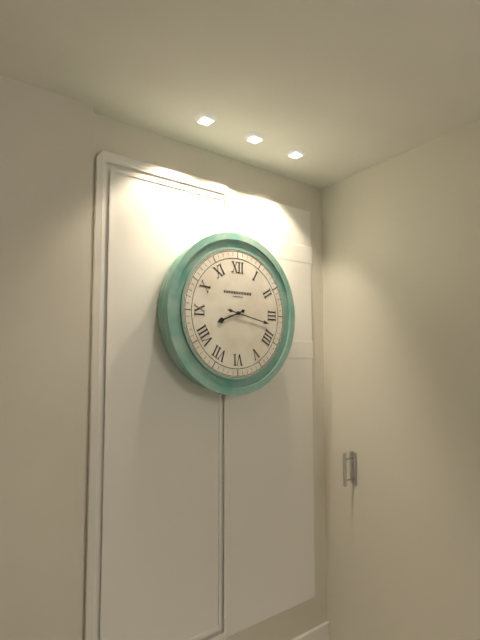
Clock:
8 h 17 min
